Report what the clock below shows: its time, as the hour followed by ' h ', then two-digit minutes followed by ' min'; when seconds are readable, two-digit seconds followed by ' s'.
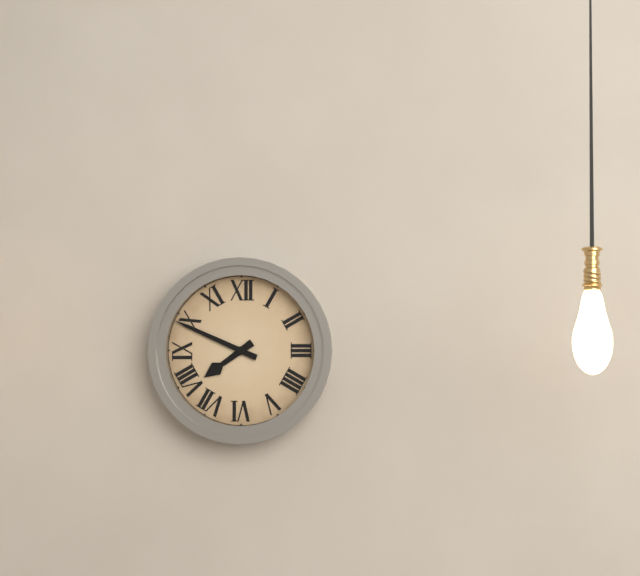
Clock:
7 h 49 min
